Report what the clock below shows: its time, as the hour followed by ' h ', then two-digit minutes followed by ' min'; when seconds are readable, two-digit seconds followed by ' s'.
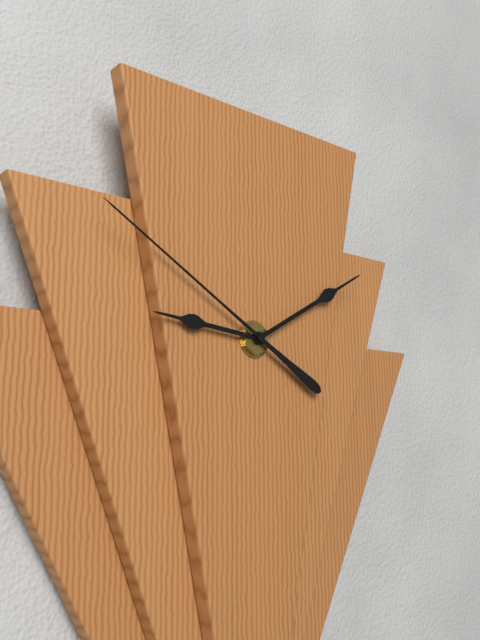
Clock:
9 h 10 min 50 s
